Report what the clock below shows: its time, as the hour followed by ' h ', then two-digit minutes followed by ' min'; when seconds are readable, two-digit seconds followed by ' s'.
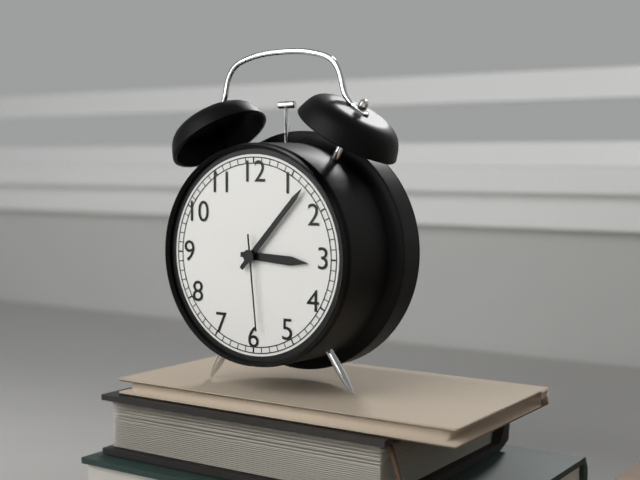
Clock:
3 h 07 min 29 s
